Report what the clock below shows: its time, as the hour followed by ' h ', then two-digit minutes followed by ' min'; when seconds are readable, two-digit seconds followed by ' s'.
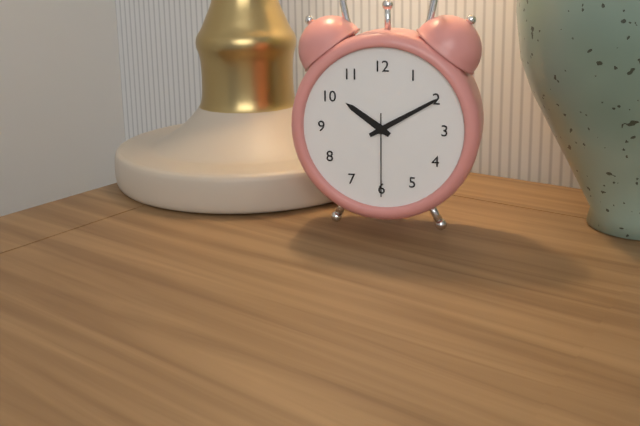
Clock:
10 h 10 min 30 s
